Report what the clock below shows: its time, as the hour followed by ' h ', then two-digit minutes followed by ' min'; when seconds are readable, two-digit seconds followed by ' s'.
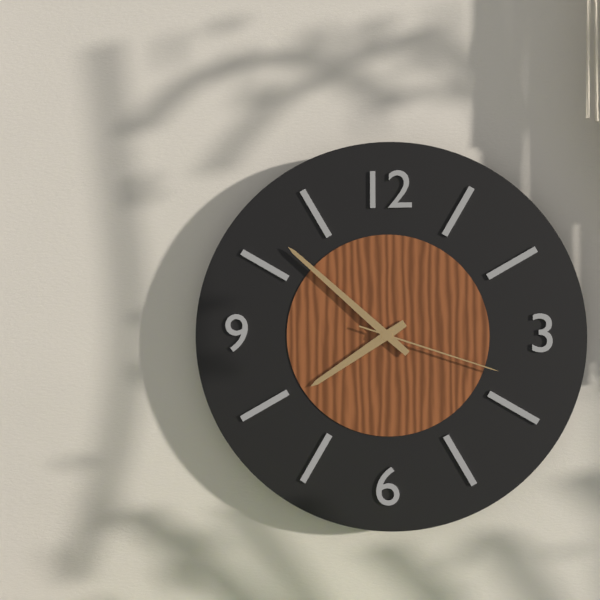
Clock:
7 h 52 min 18 s
